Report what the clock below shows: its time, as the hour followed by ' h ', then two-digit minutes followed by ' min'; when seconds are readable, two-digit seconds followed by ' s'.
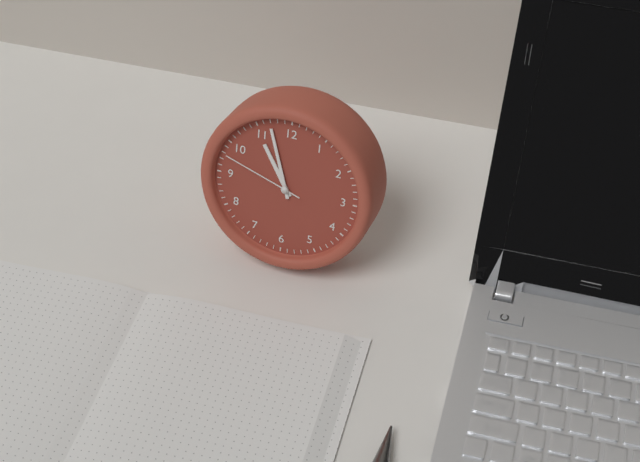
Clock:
10 h 57 min 48 s
